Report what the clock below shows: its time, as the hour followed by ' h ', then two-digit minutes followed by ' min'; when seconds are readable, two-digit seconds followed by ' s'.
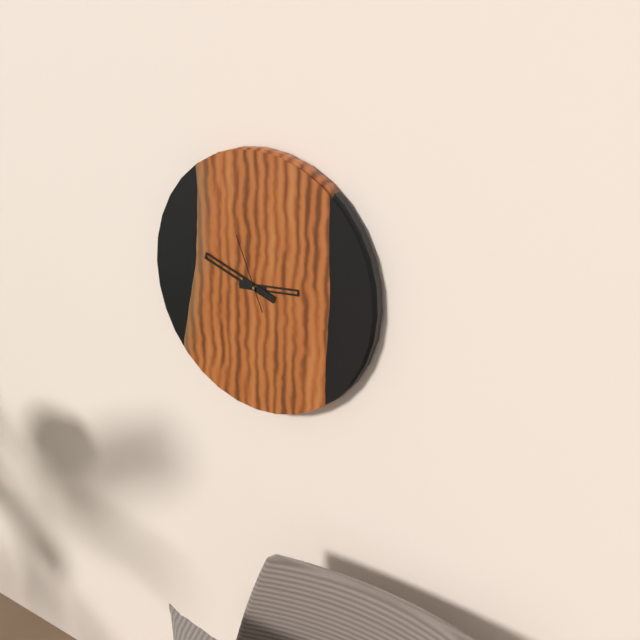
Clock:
2 h 48 min 56 s
